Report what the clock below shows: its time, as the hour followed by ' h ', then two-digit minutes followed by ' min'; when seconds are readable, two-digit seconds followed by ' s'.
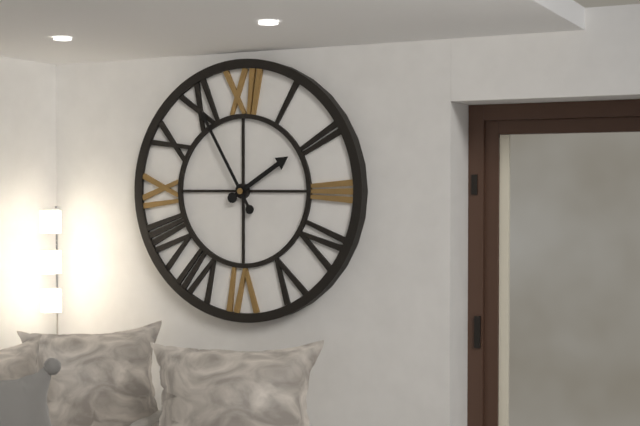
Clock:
1 h 55 min
